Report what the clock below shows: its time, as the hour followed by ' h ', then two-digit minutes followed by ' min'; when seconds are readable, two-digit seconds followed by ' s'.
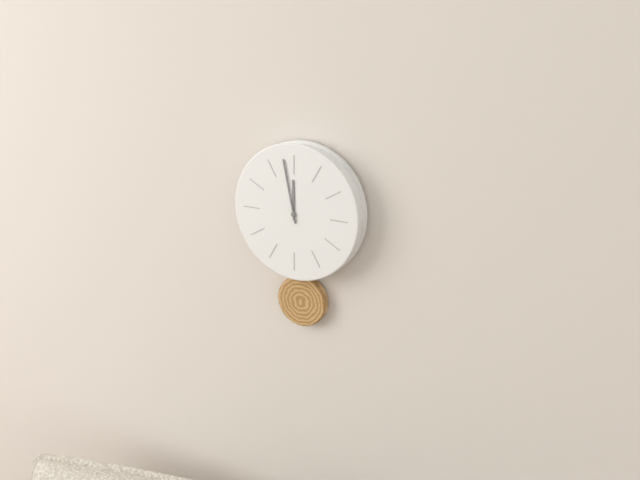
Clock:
11 h 58 min
